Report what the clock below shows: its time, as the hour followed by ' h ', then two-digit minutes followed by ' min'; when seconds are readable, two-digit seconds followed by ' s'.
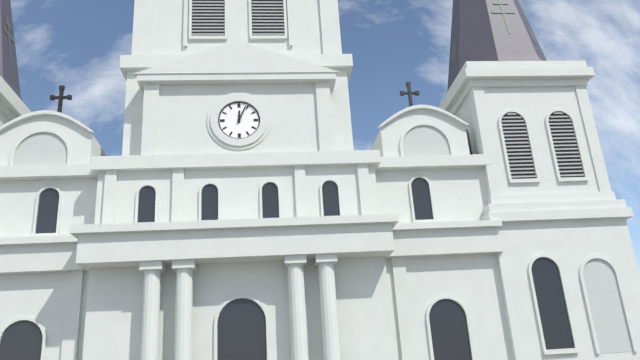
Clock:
12 h 04 min
